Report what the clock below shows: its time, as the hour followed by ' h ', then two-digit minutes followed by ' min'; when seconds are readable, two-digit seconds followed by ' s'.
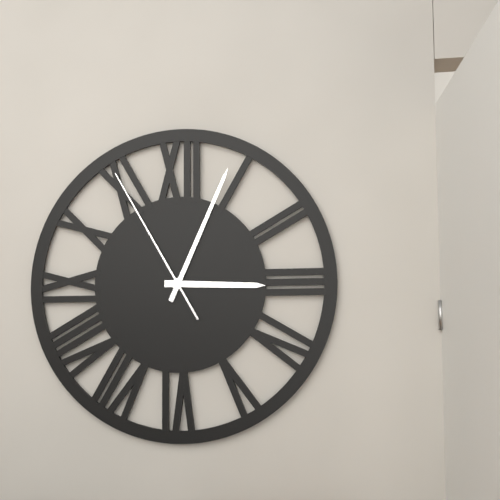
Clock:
3 h 04 min 55 s
